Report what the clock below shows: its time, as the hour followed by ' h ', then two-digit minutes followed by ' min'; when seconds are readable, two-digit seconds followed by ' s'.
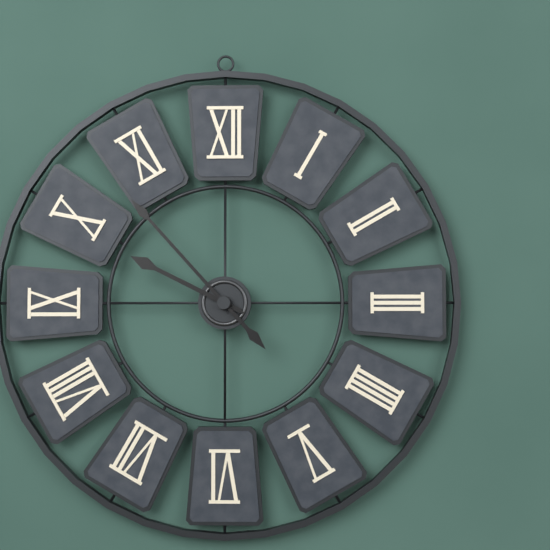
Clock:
9 h 53 min
